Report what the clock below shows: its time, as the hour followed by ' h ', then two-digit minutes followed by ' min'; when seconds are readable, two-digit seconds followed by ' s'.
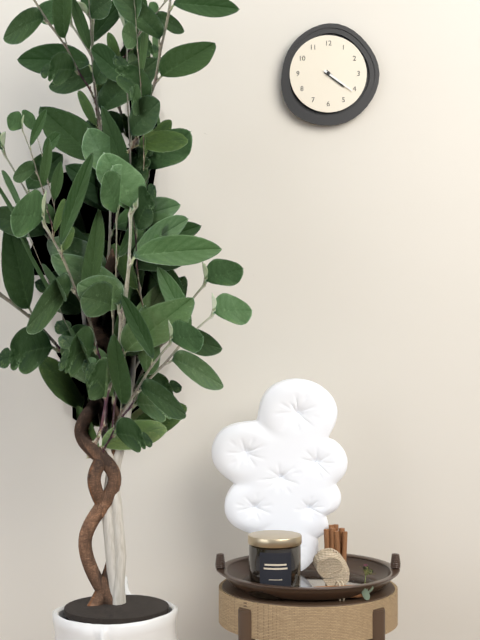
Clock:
4 h 21 min
